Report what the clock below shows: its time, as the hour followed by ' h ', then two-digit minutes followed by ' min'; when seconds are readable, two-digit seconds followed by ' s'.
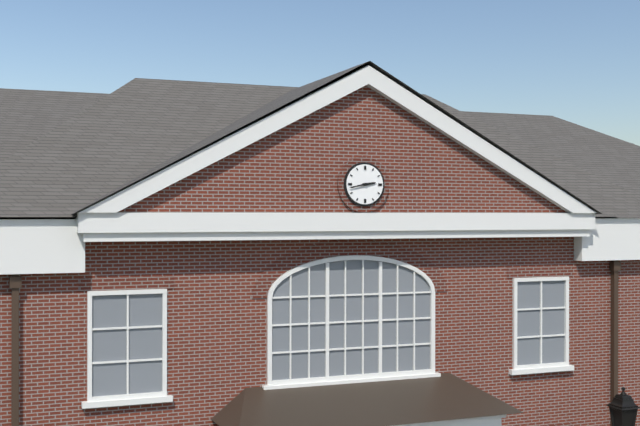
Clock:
2 h 43 min
